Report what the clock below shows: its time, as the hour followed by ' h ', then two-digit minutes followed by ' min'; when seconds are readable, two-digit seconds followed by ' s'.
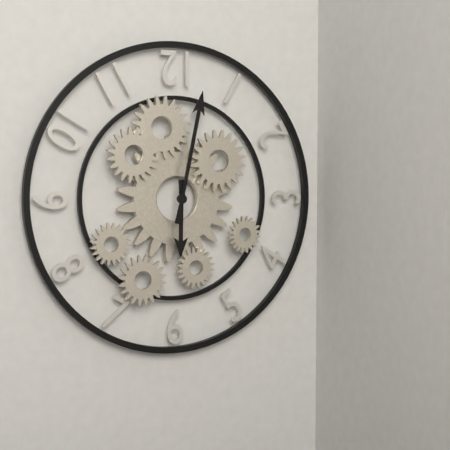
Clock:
6 h 02 min
